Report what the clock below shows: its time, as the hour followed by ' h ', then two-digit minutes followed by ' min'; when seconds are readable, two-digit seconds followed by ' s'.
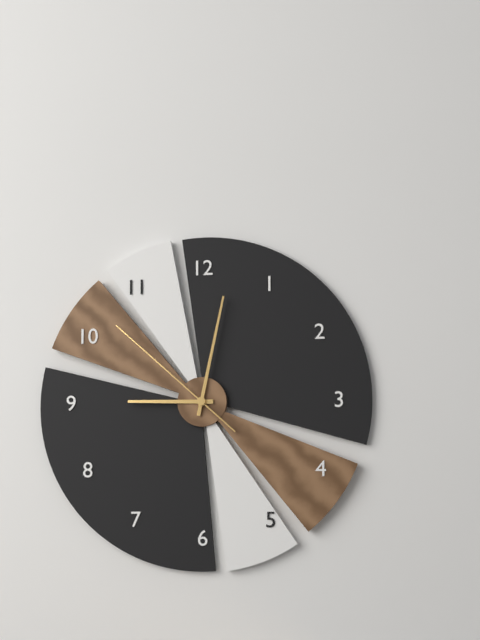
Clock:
9 h 02 min 52 s
